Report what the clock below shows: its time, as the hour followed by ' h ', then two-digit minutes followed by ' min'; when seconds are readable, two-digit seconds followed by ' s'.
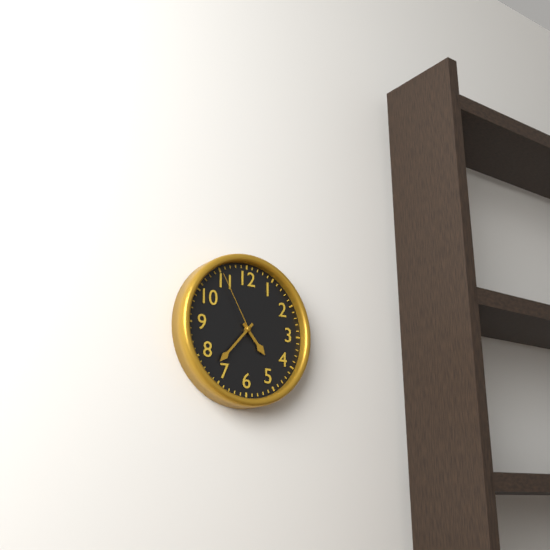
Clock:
4 h 37 min 55 s
